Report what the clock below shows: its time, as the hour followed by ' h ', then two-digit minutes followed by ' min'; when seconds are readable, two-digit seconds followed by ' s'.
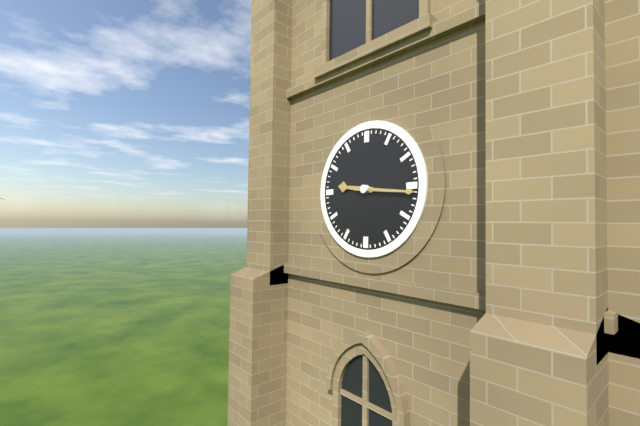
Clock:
9 h 16 min
